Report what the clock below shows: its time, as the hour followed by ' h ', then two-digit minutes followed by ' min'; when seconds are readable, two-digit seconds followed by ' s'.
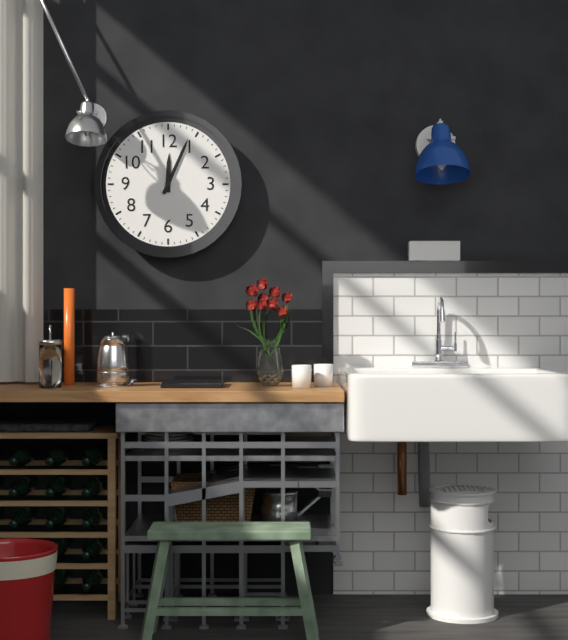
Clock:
12 h 04 min
